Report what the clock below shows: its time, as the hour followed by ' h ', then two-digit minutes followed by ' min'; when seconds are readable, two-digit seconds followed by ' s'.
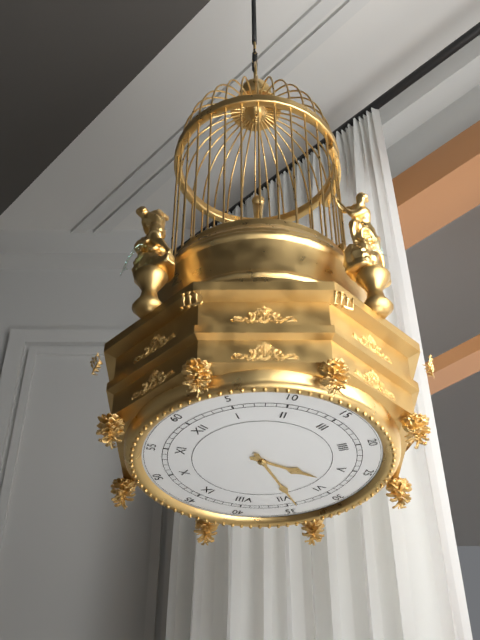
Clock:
5 h 34 min
